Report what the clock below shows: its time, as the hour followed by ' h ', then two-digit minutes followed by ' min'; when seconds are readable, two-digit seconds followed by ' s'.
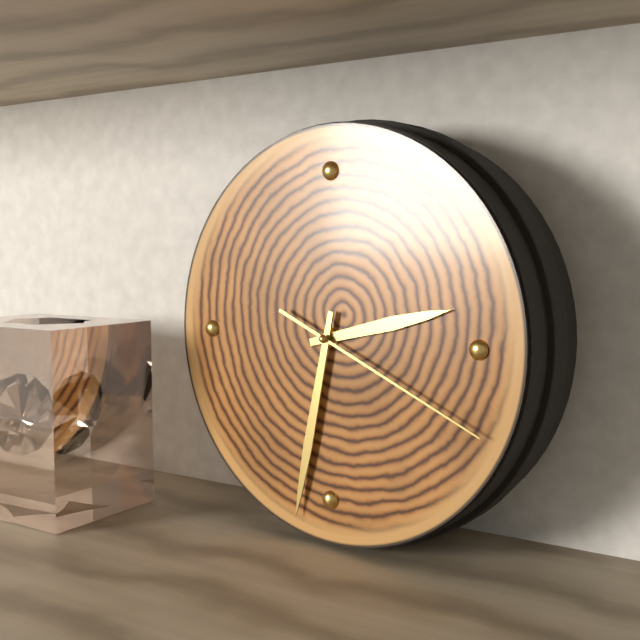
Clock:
2 h 32 min 19 s
